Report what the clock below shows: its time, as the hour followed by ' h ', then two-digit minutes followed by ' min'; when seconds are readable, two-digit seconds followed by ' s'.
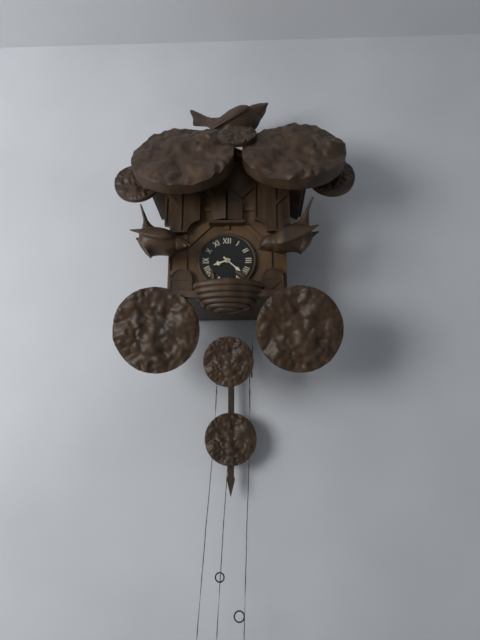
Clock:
8 h 22 min
